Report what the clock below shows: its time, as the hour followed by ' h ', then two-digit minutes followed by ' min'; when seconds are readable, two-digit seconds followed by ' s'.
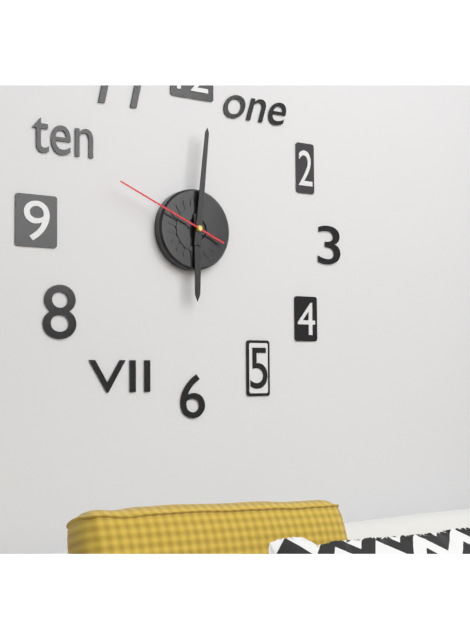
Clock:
6 h 01 min 49 s
